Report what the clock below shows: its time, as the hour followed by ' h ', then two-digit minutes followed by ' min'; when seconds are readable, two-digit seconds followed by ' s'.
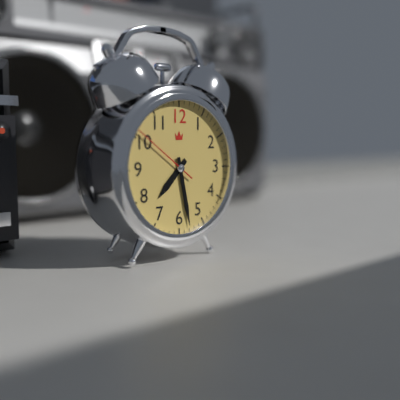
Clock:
7 h 28 min 51 s
